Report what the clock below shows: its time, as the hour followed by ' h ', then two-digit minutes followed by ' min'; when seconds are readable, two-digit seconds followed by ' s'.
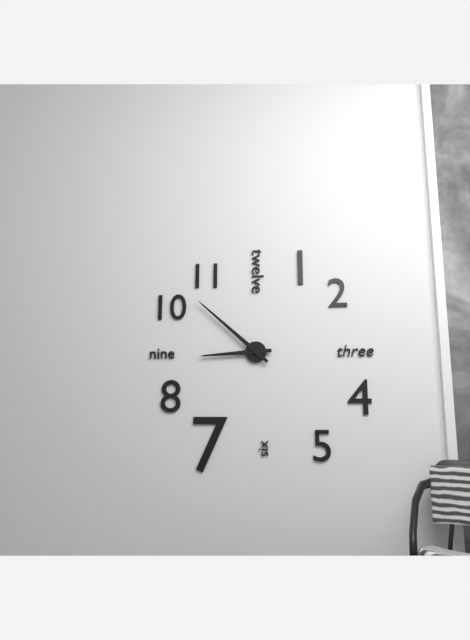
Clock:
8 h 52 min
